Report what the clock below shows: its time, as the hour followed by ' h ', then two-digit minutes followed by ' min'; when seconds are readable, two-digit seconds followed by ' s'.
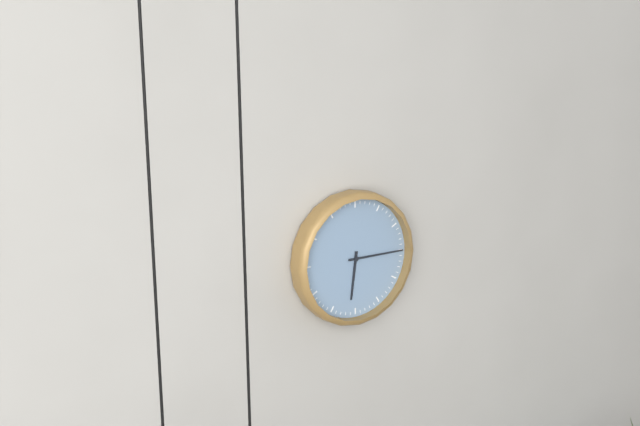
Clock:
6 h 15 min
